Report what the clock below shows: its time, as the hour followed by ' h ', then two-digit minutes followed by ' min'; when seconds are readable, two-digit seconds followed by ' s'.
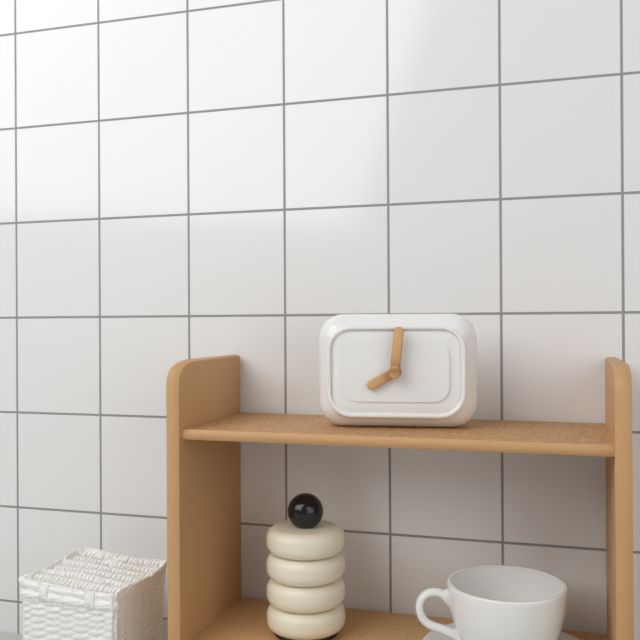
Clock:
8 h 01 min
